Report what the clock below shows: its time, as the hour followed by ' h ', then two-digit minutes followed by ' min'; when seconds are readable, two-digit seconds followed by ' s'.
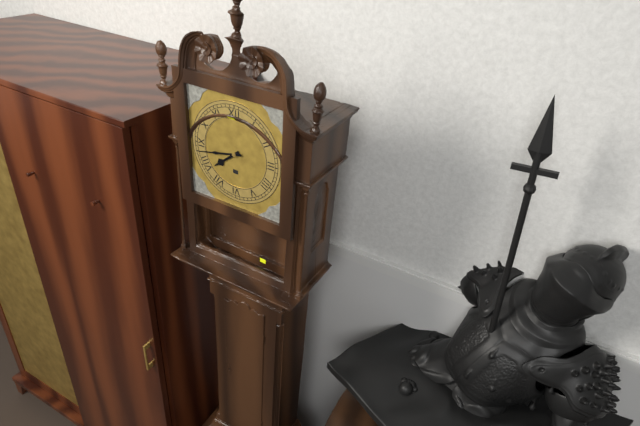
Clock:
7 h 43 min
